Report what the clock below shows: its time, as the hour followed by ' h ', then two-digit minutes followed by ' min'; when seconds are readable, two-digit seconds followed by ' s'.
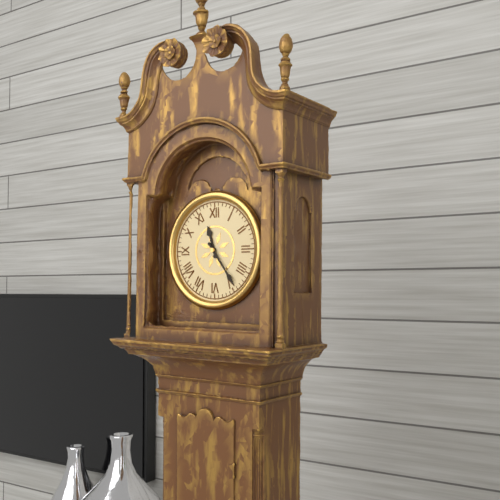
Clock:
11 h 24 min
